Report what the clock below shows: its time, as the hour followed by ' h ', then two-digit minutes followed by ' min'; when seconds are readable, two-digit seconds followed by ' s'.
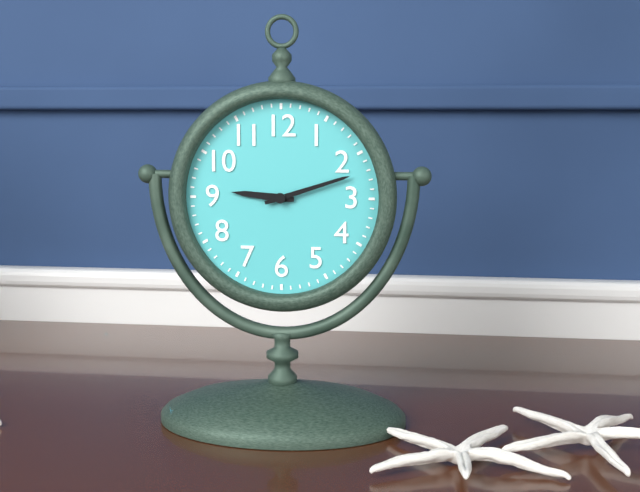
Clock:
9 h 12 min
